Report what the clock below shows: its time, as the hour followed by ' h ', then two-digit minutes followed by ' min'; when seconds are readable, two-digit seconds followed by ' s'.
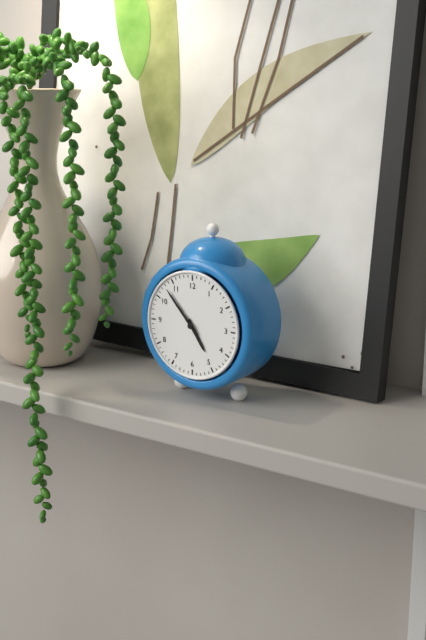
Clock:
4 h 53 min
